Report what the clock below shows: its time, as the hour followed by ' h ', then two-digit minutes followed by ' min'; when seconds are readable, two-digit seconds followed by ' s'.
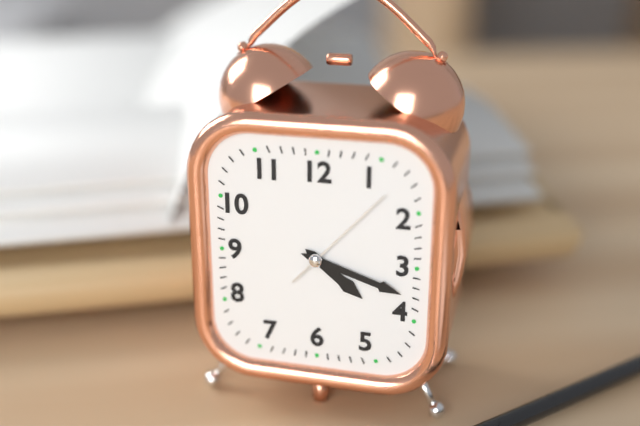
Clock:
4 h 18 min 07 s
